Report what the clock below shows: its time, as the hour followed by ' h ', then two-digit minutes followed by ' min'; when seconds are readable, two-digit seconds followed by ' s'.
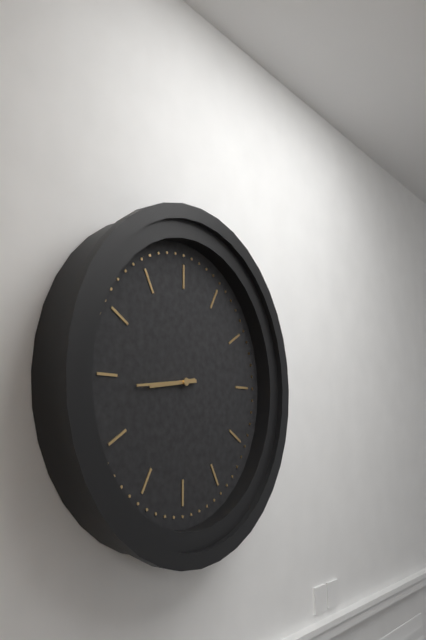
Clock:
8 h 44 min
